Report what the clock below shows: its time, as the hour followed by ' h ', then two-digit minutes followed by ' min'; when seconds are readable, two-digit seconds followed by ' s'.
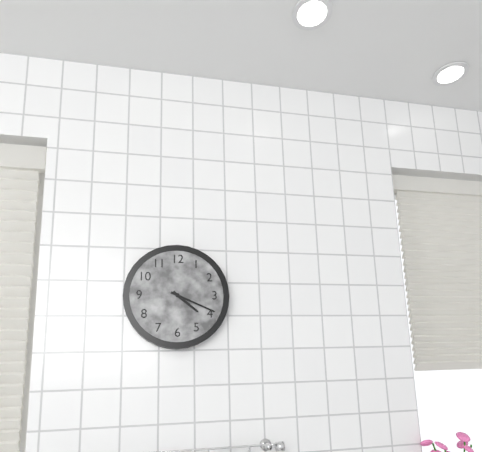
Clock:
4 h 19 min
